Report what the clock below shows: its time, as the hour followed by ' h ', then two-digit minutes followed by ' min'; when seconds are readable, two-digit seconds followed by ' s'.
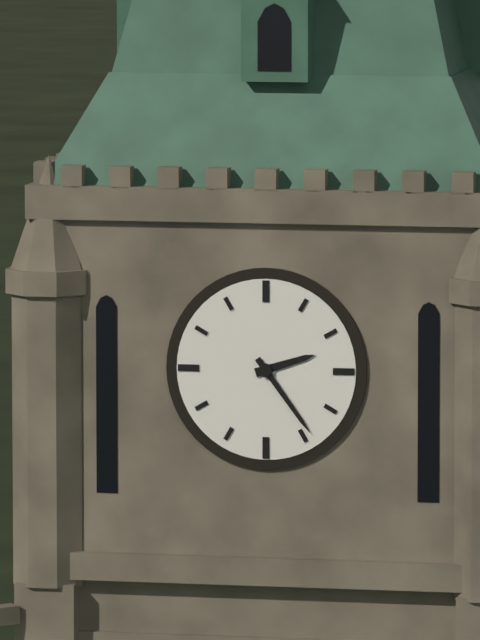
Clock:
2 h 24 min
